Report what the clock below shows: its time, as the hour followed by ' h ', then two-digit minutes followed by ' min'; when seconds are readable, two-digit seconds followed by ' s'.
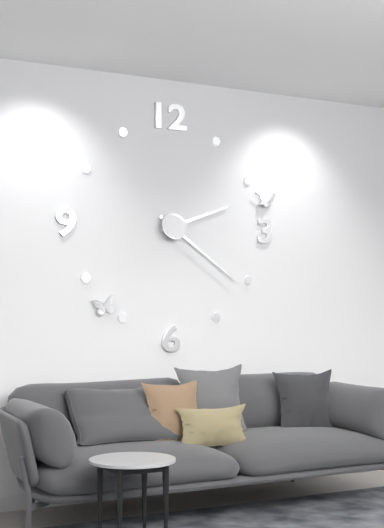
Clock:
2 h 21 min
